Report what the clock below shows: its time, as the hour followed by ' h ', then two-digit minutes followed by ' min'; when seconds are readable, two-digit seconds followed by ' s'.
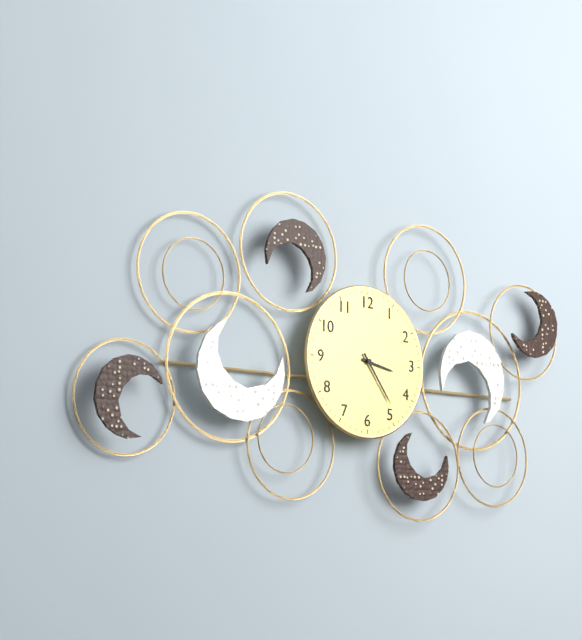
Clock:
3 h 24 min
